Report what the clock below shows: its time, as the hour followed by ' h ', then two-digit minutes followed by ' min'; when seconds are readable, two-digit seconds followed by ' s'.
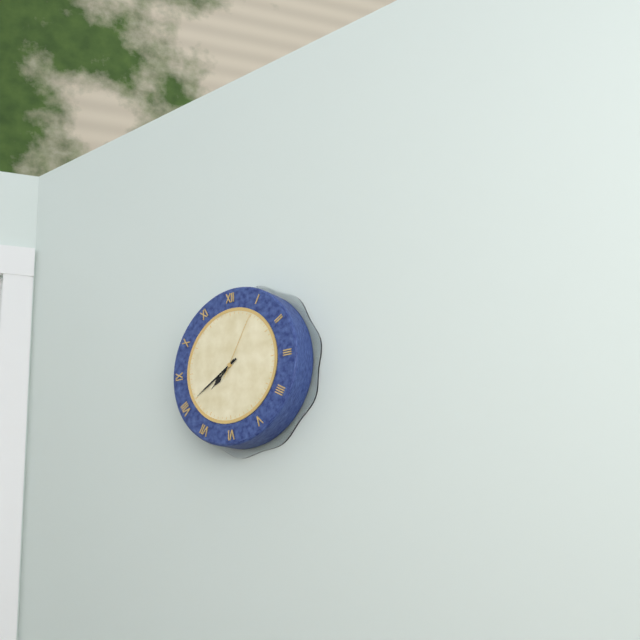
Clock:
7 h 40 min 05 s
